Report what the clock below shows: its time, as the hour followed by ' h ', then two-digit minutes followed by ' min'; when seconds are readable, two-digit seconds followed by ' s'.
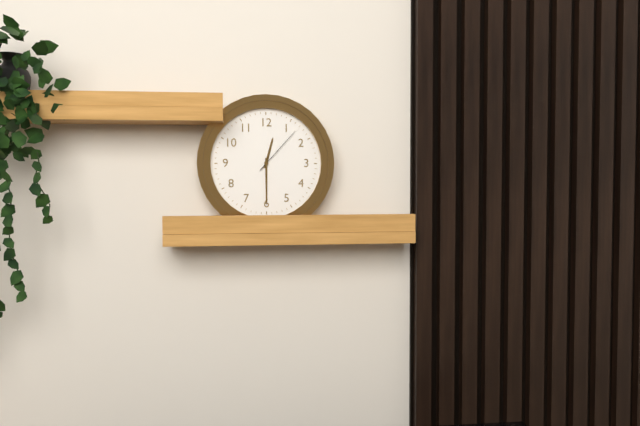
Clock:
12 h 30 min 07 s
